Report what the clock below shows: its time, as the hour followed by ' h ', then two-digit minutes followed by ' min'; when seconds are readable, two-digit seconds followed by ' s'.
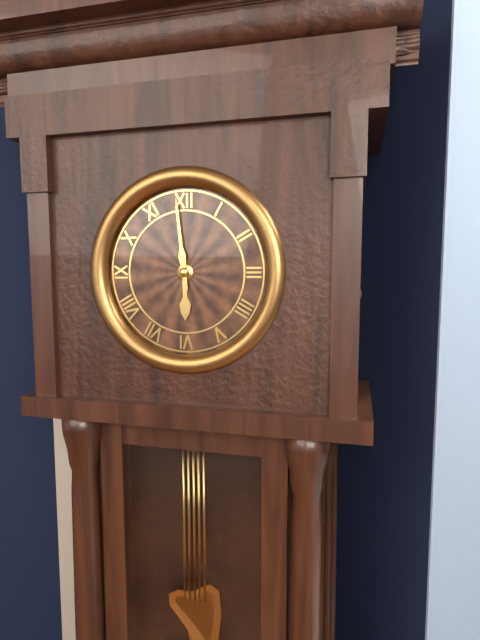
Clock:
5 h 59 min
